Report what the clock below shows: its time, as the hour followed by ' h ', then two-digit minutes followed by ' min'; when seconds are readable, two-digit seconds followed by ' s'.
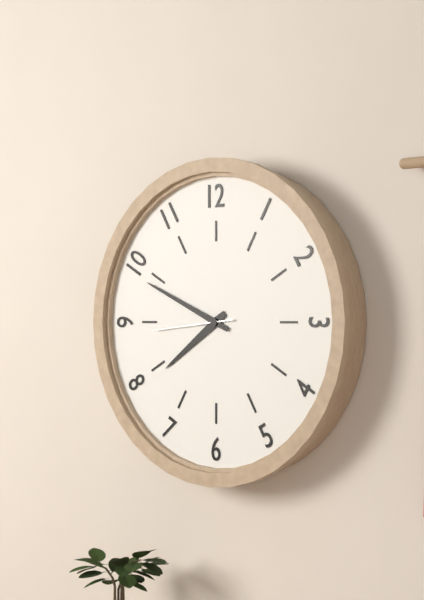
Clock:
7 h 49 min 44 s
